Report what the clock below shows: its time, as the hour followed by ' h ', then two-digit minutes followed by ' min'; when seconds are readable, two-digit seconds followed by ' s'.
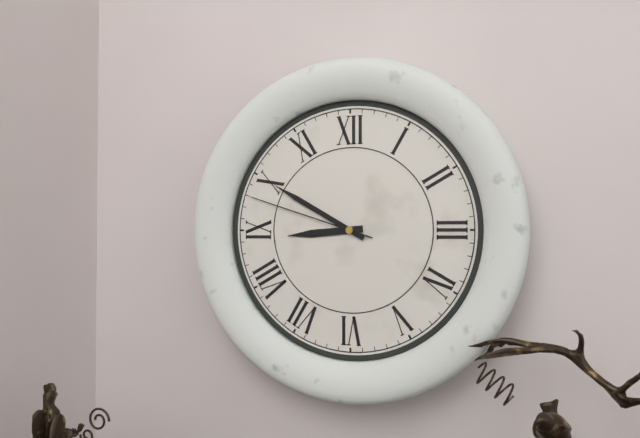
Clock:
8 h 50 min 48 s
